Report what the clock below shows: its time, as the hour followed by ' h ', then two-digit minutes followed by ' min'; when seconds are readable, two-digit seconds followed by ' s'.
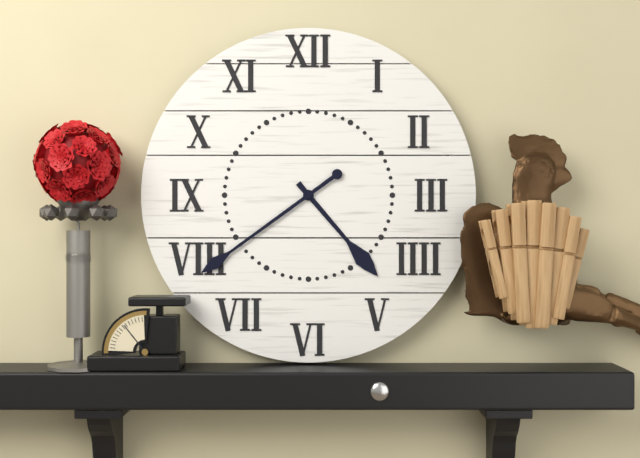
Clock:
4 h 39 min
